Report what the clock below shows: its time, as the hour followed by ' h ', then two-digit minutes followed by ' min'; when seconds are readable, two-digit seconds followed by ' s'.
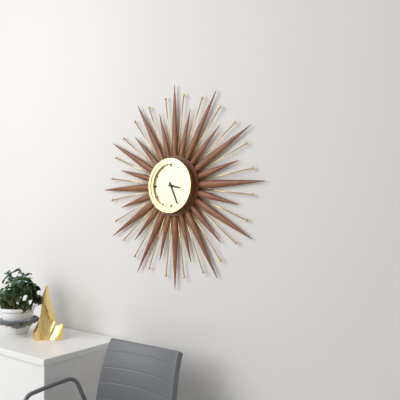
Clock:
3 h 26 min
